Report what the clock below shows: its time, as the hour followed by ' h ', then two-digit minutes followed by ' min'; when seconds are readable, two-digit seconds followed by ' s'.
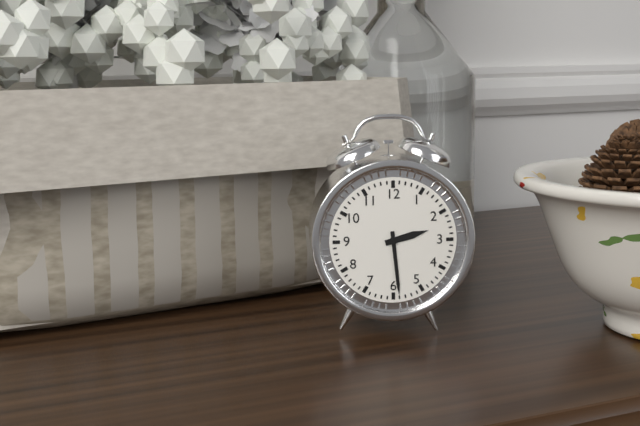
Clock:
2 h 29 min
